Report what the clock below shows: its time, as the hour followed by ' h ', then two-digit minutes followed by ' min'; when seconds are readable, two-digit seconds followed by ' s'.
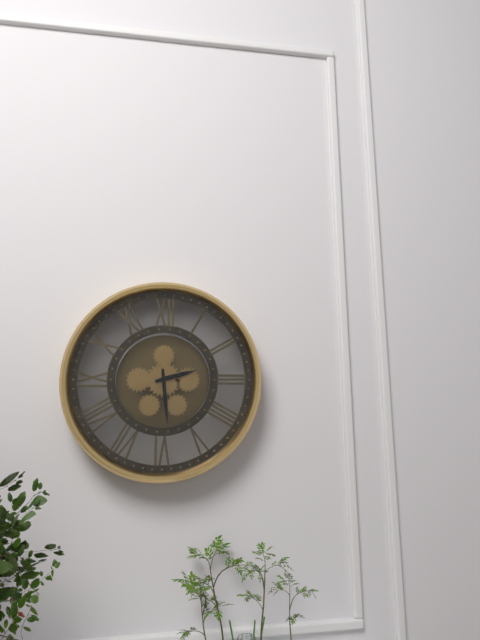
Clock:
2 h 29 min
